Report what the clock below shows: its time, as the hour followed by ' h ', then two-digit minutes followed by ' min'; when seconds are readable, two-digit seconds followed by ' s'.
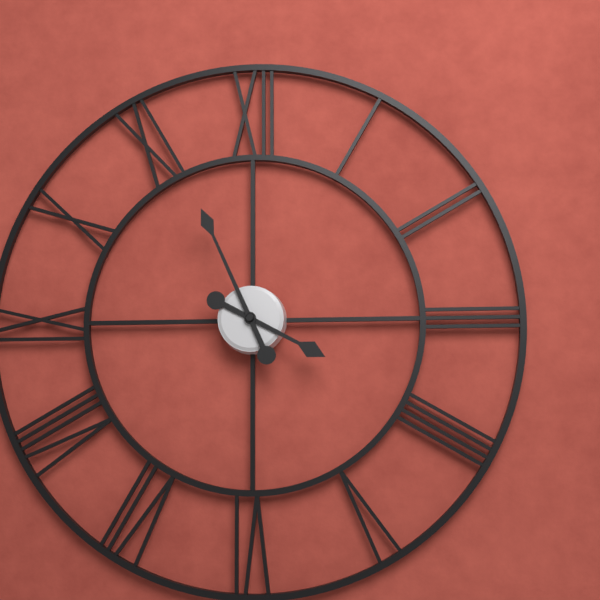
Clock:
3 h 56 min
